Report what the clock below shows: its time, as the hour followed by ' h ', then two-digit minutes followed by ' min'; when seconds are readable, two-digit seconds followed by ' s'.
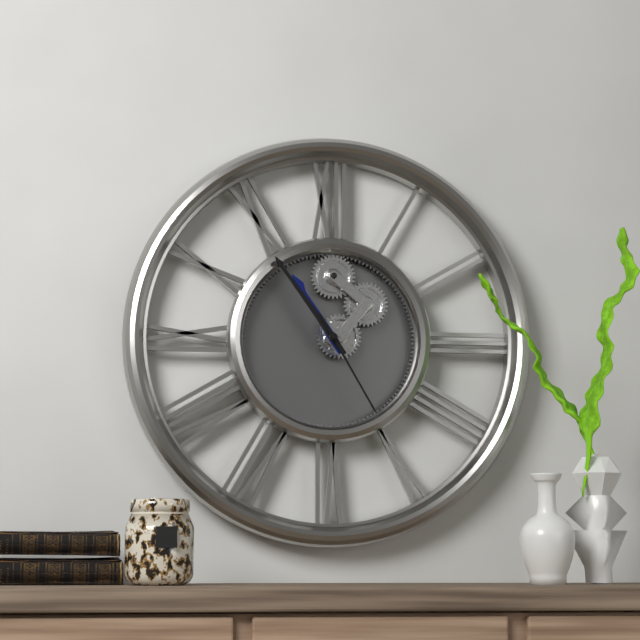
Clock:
10 h 54 min 25 s
